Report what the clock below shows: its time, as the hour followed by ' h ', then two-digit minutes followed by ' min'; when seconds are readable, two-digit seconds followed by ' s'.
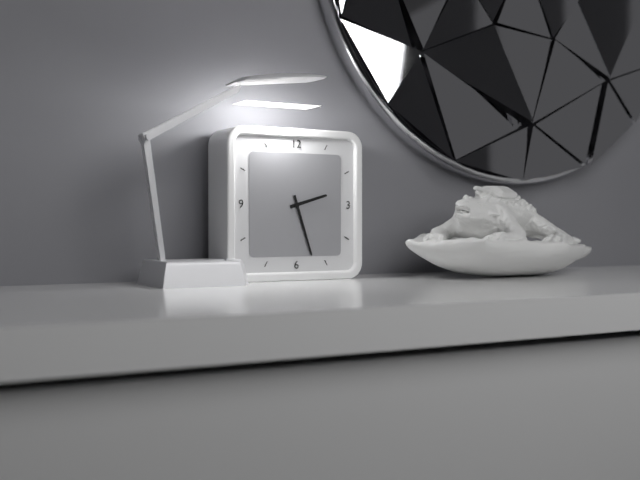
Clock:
2 h 27 min
